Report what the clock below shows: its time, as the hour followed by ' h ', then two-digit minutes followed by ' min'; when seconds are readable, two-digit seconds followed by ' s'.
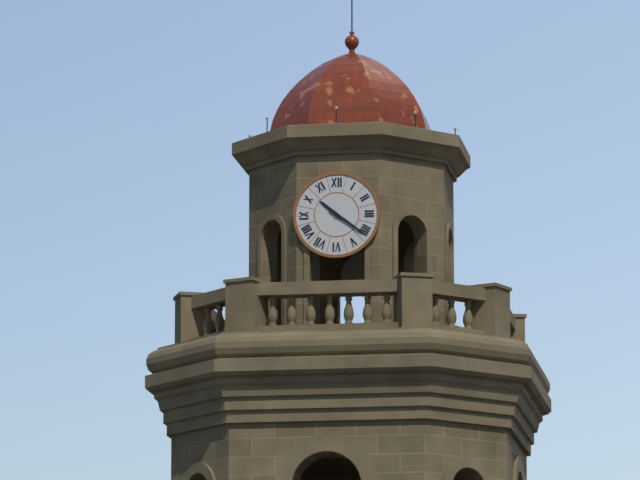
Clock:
10 h 21 min
